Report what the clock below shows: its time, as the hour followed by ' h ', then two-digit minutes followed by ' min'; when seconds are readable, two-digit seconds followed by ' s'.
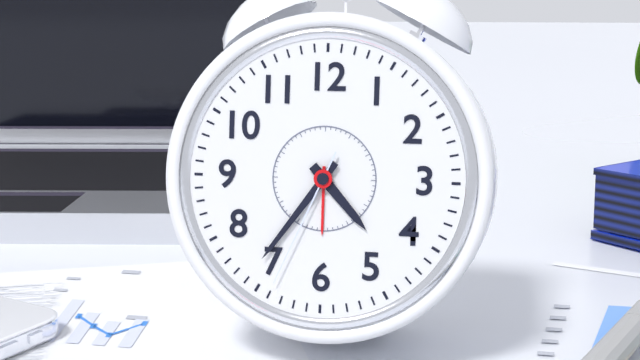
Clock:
4 h 36 min 34 s
